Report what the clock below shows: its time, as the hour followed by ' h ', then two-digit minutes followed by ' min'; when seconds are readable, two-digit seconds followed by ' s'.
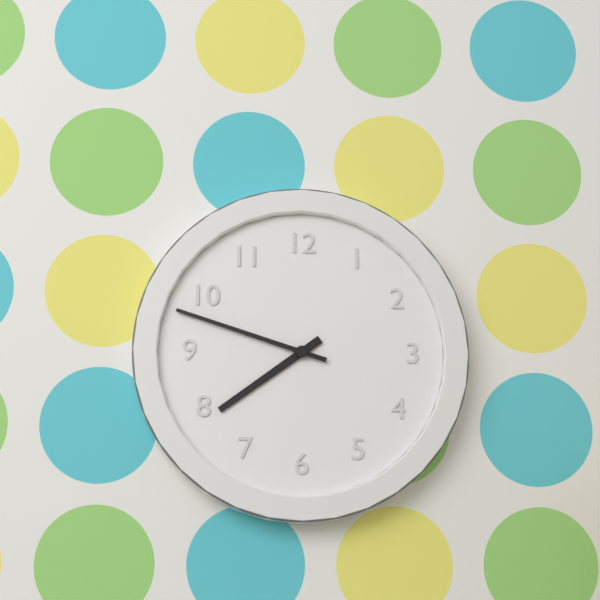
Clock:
7 h 48 min
